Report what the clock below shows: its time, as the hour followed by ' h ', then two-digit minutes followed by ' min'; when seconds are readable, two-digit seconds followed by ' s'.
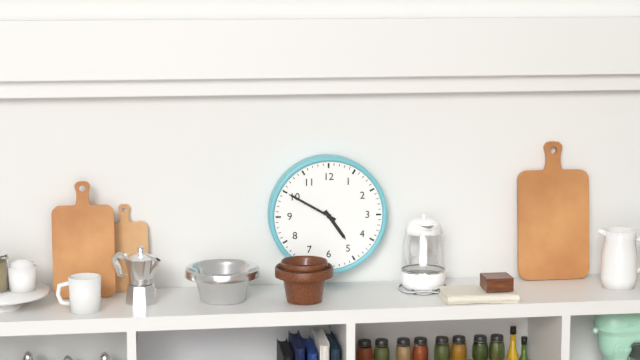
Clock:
4 h 50 min
